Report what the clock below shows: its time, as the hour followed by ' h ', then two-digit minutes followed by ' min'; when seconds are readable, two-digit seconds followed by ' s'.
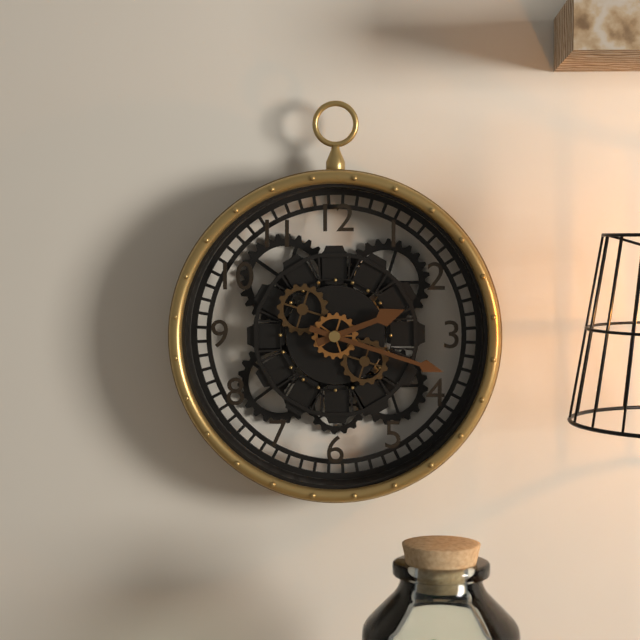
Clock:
2 h 18 min
